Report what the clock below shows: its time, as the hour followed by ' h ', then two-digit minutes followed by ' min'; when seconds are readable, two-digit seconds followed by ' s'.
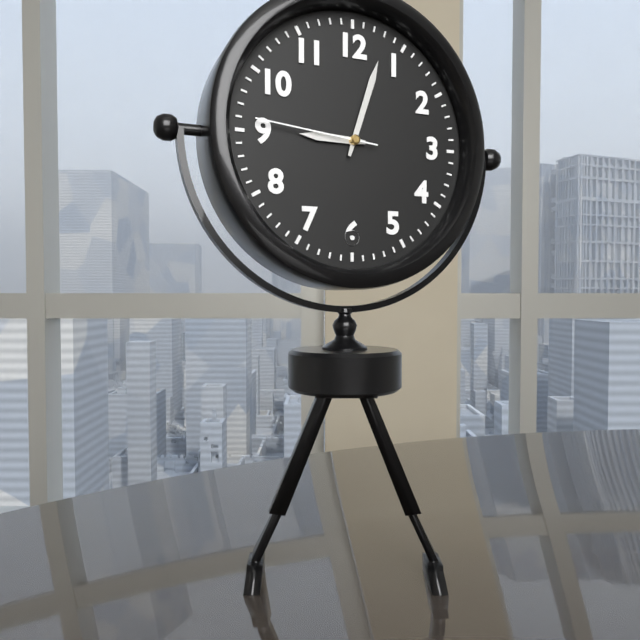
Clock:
9 h 03 min 46 s
